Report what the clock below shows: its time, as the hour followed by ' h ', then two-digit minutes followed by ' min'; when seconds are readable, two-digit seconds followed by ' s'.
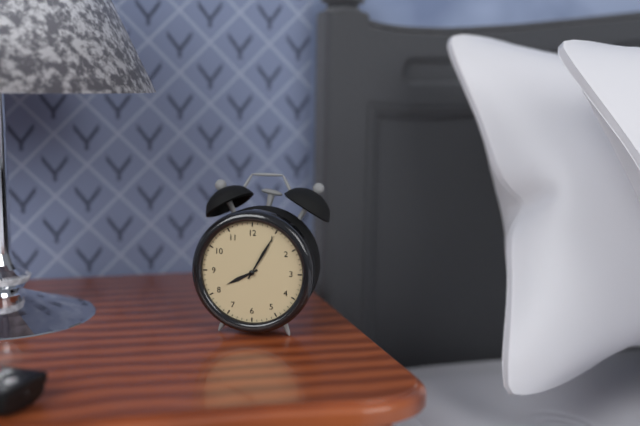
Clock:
8 h 05 min
